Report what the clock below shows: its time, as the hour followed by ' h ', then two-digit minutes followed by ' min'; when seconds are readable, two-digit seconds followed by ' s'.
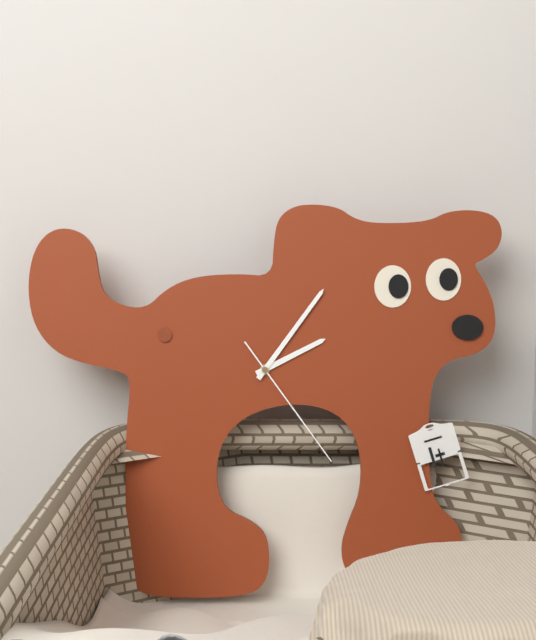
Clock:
2 h 06 min 24 s
